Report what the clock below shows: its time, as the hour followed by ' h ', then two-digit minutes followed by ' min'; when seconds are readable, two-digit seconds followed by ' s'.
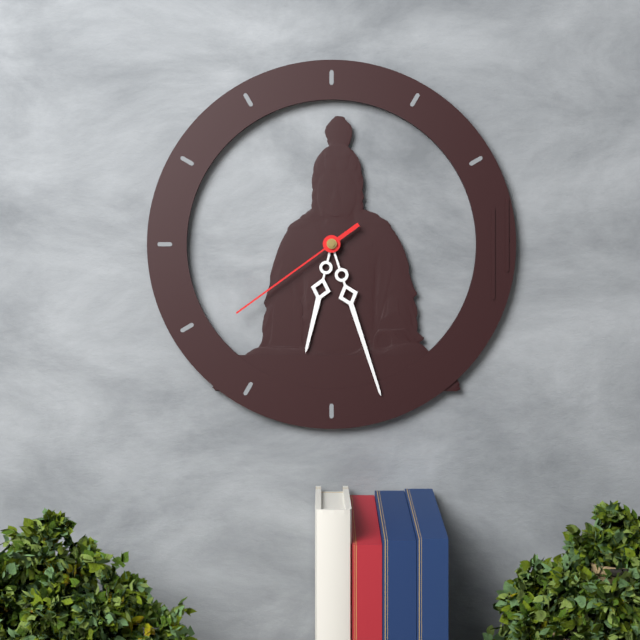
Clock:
6 h 27 min 39 s
